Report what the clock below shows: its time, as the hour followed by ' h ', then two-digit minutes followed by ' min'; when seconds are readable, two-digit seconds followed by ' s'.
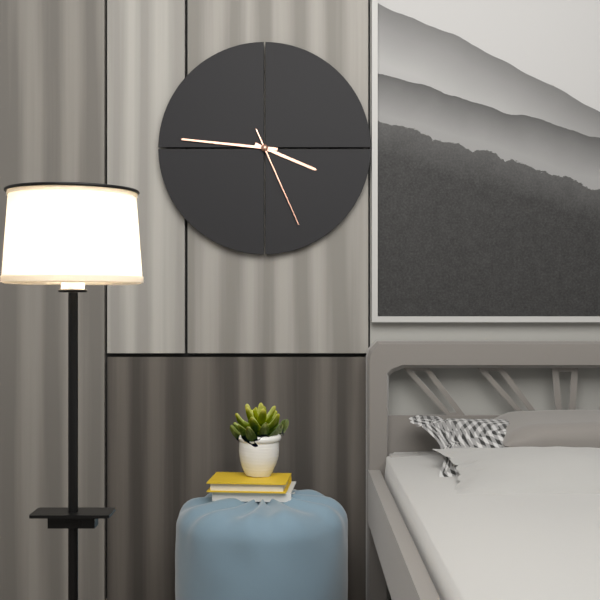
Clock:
3 h 46 min 26 s
